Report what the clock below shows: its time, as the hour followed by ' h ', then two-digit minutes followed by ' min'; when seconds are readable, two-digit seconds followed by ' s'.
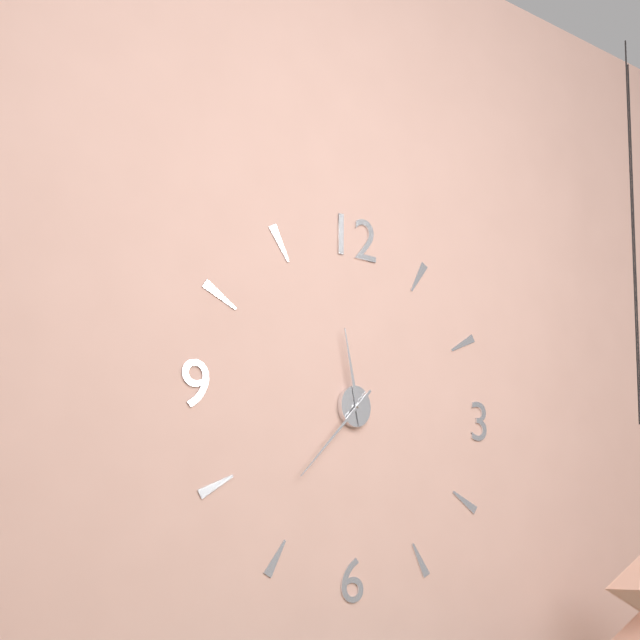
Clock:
11 h 37 min
